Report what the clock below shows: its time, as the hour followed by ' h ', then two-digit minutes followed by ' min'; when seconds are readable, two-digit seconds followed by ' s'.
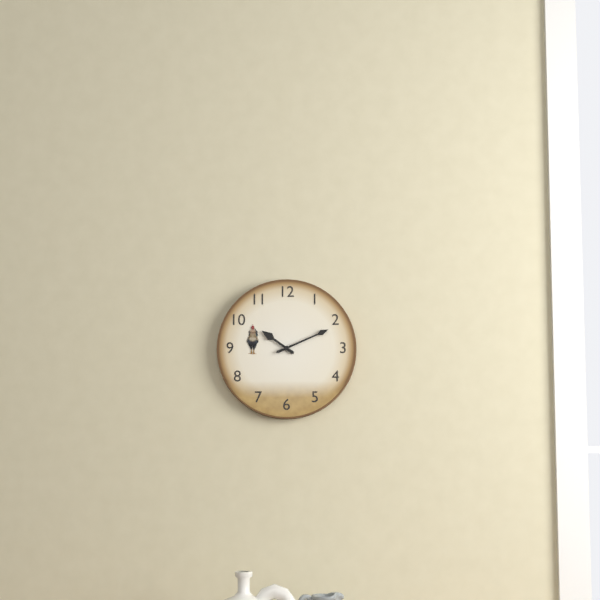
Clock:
10 h 11 min
